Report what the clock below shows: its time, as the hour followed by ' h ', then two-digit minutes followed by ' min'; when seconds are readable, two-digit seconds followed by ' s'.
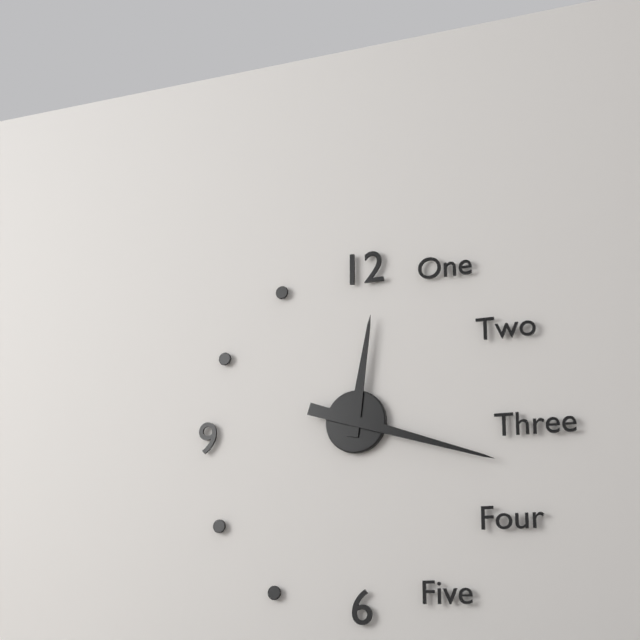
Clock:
12 h 18 min
